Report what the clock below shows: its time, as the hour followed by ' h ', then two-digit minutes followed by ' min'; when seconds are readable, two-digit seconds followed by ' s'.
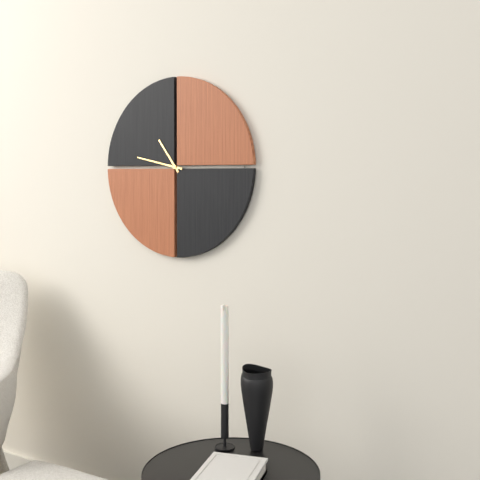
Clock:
10 h 47 min
